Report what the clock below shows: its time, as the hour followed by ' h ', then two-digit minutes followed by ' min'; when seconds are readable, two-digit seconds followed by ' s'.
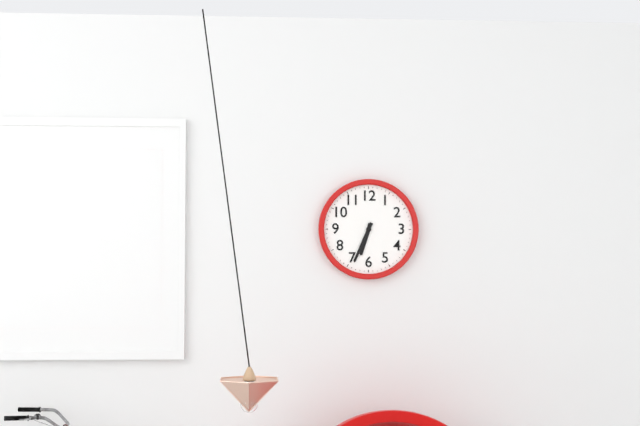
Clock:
6 h 34 min
